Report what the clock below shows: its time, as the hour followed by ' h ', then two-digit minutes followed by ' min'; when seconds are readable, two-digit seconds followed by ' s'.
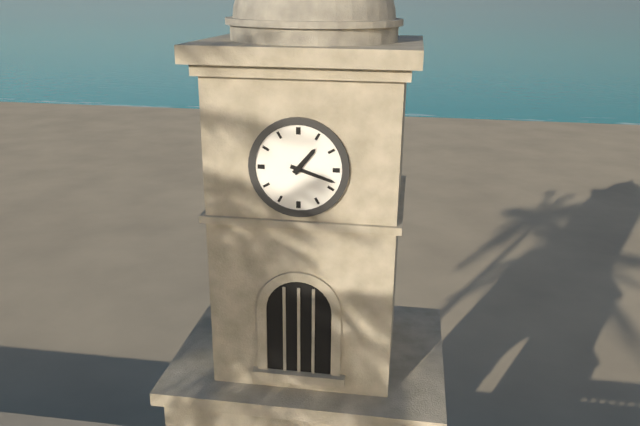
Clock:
1 h 18 min
